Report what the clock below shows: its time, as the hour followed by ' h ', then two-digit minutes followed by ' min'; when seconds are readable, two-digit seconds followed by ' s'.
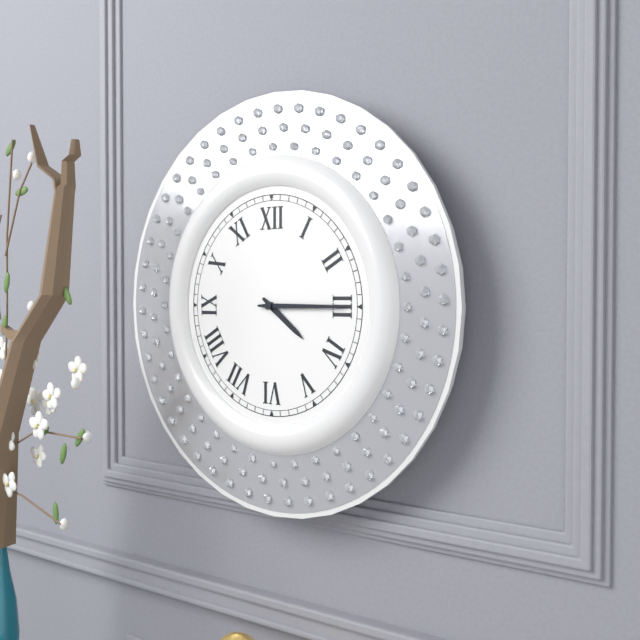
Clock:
4 h 15 min
